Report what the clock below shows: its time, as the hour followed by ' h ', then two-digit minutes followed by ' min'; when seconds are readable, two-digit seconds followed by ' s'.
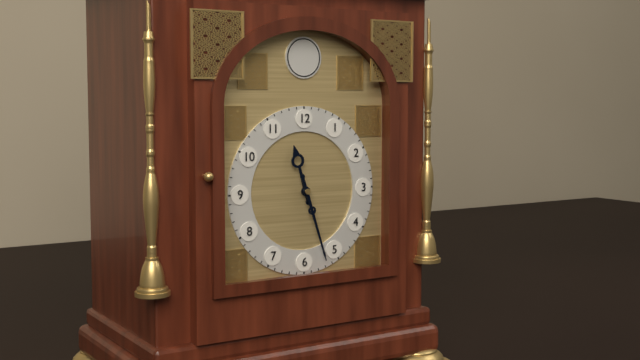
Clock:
11 h 27 min
